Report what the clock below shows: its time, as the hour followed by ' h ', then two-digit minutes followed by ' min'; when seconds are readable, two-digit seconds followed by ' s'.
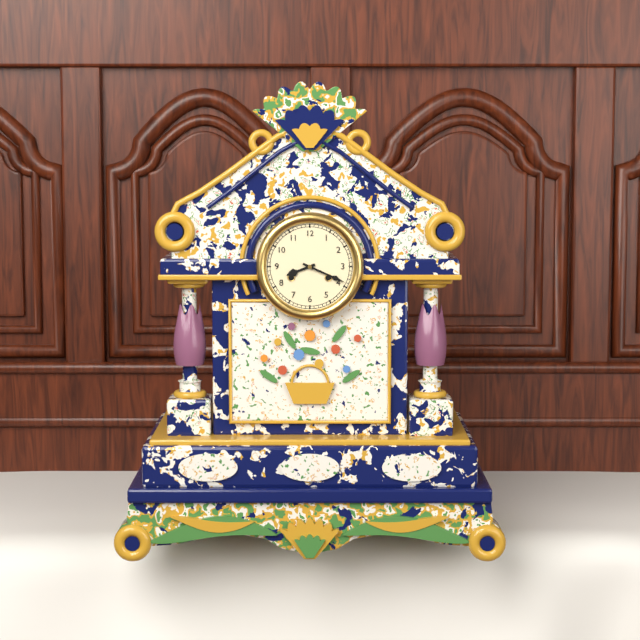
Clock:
8 h 19 min
